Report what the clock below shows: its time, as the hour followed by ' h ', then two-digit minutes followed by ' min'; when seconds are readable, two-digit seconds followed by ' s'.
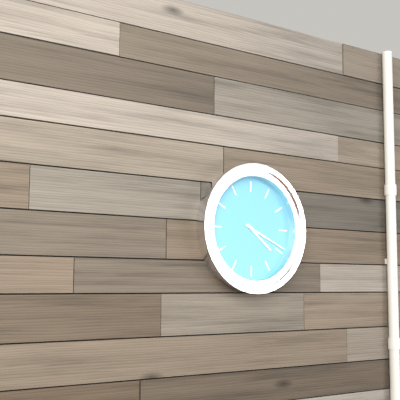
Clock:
4 h 19 min
